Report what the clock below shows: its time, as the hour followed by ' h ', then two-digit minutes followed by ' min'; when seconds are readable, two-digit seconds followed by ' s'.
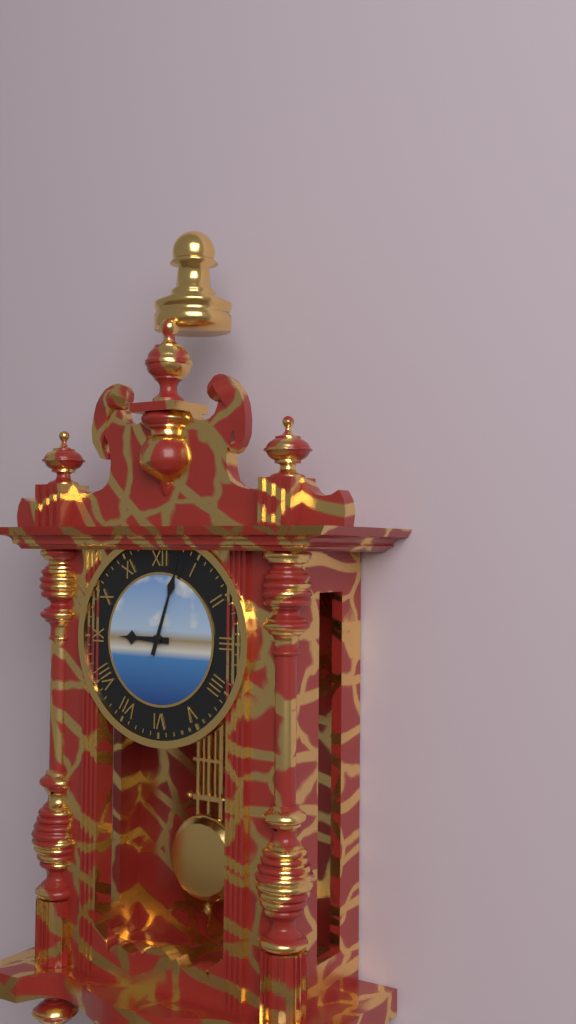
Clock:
9 h 03 min
